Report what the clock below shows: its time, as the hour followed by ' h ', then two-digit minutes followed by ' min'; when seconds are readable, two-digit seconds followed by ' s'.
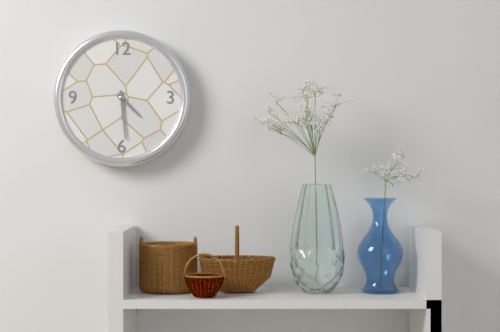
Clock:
4 h 29 min
